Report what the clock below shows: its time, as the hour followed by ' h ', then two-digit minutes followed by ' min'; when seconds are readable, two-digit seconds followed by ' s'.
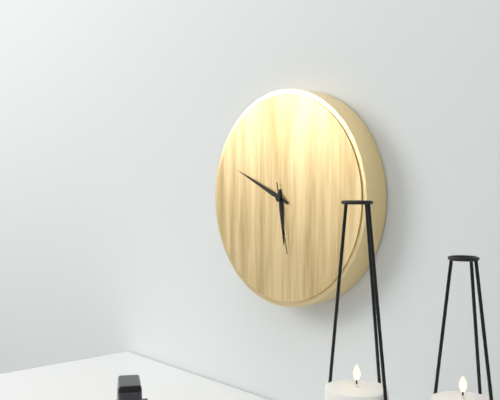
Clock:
5 h 49 min 28 s
